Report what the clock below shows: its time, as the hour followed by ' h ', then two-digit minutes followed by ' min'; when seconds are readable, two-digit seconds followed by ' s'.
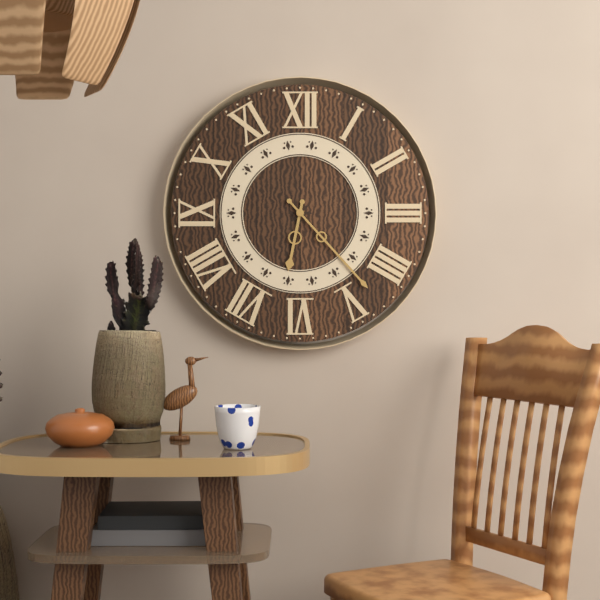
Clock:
6 h 23 min
